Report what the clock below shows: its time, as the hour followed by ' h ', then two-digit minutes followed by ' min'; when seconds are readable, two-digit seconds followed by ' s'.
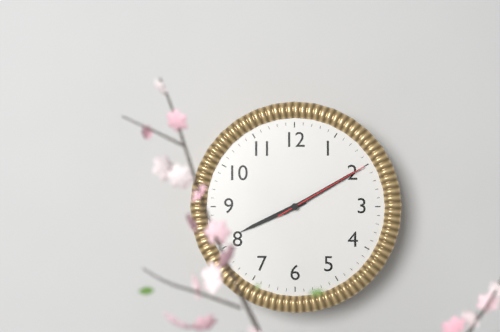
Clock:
8 h 10 min 10 s
